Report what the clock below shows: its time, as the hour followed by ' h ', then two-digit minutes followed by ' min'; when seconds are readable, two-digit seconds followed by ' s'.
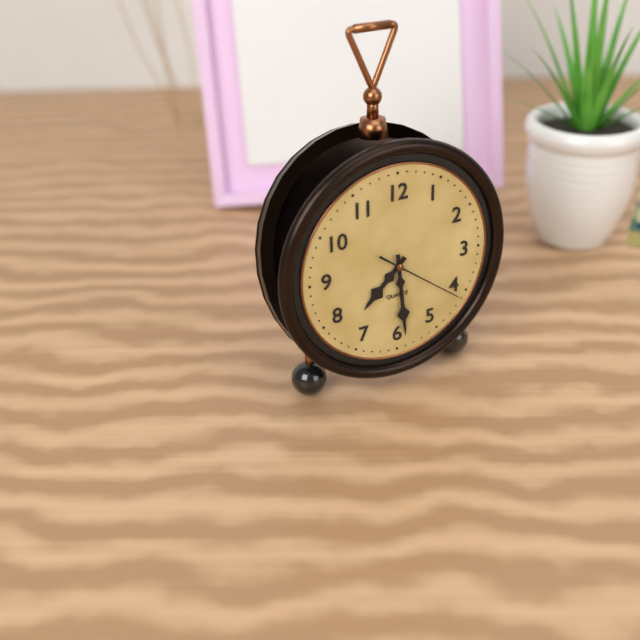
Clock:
7 h 29 min 21 s
